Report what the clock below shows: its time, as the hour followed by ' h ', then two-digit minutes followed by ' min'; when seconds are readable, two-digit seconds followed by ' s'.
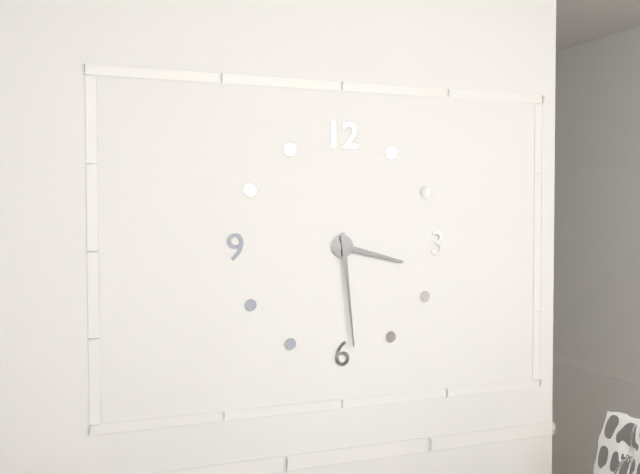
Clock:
3 h 29 min
